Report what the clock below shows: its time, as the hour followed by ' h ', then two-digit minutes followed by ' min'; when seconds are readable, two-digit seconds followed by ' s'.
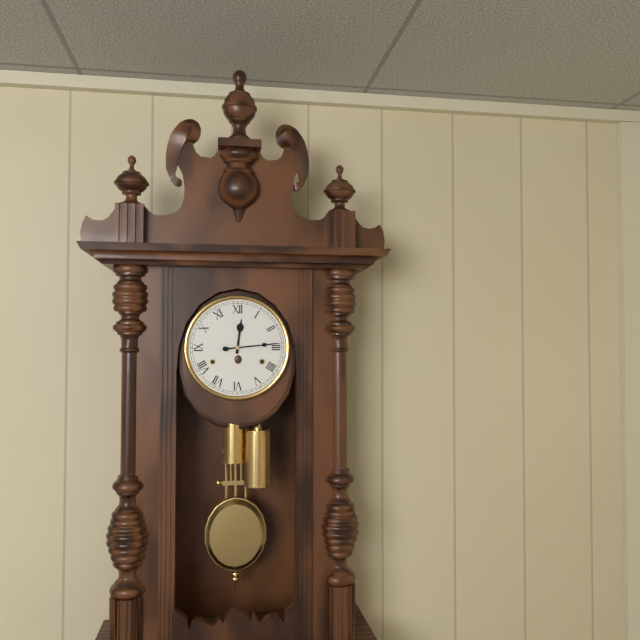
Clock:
12 h 14 min
